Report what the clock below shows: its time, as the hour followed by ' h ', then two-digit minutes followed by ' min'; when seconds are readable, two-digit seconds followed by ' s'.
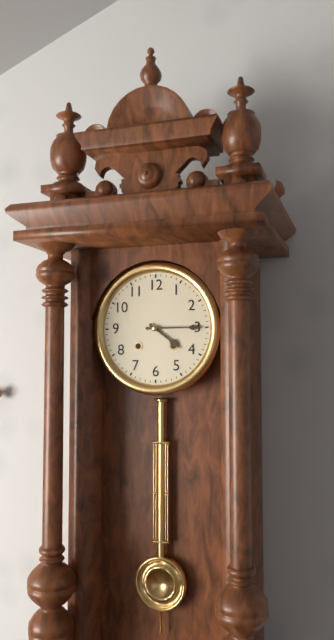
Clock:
4 h 15 min
